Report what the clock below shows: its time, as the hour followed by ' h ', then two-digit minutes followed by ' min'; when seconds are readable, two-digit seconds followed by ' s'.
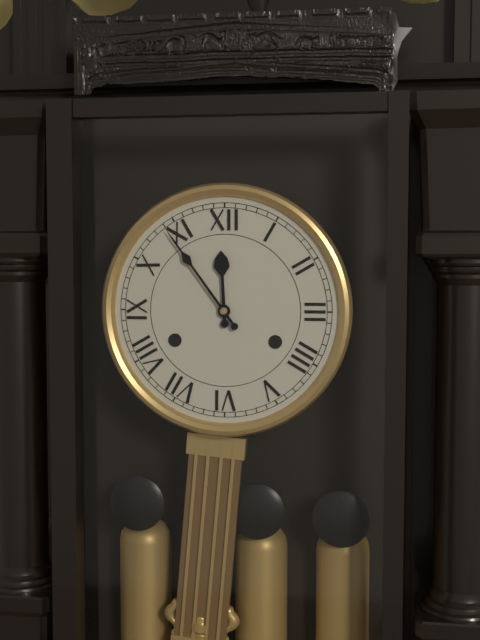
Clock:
11 h 54 min
